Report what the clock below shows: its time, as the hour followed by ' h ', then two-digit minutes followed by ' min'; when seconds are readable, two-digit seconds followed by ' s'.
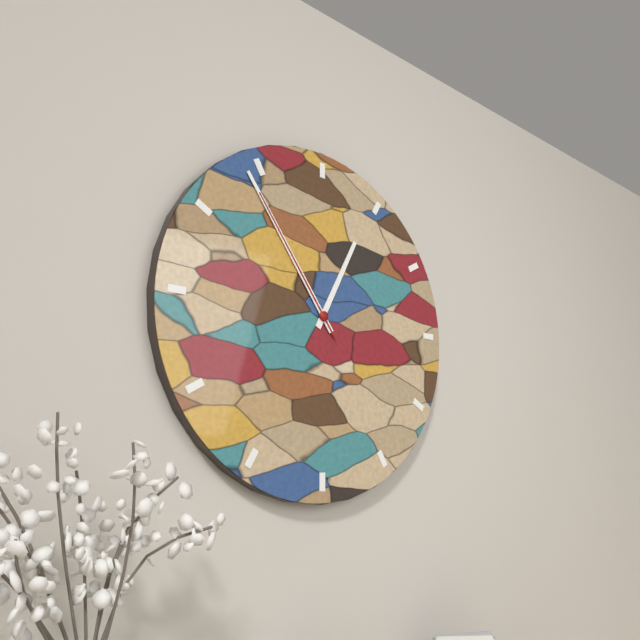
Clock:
12 h 54 min 54 s
